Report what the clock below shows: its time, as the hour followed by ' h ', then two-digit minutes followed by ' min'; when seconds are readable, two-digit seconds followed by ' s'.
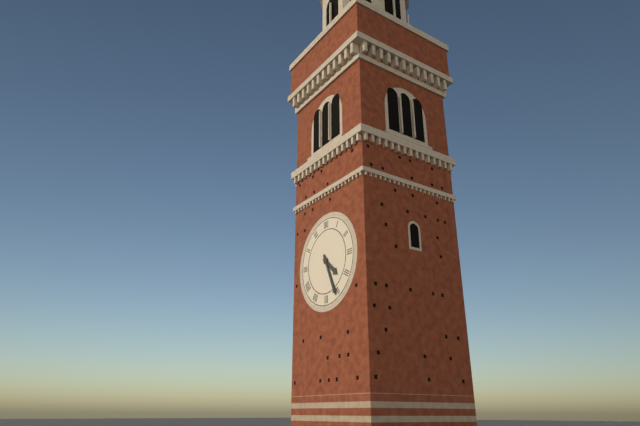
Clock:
4 h 26 min
